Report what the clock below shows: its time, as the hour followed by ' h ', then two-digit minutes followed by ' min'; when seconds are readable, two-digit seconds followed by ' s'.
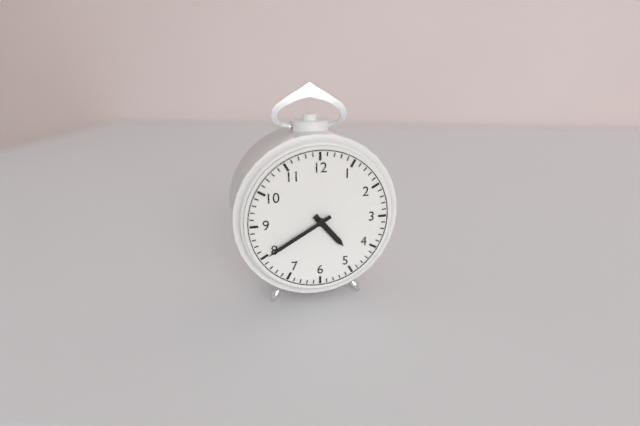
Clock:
4 h 40 min
